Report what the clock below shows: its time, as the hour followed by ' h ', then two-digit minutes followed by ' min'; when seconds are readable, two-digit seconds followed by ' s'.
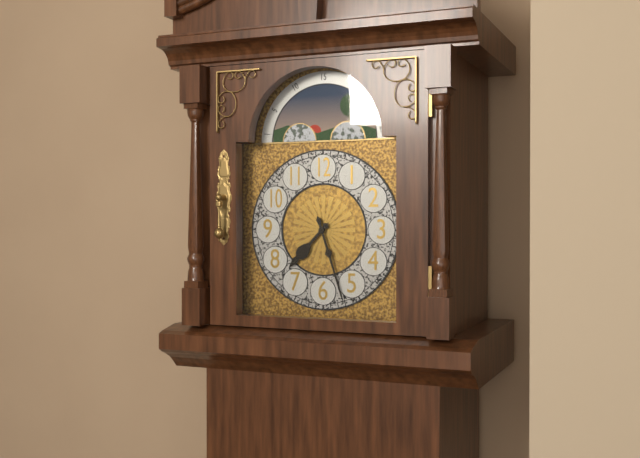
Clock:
7 h 27 min
